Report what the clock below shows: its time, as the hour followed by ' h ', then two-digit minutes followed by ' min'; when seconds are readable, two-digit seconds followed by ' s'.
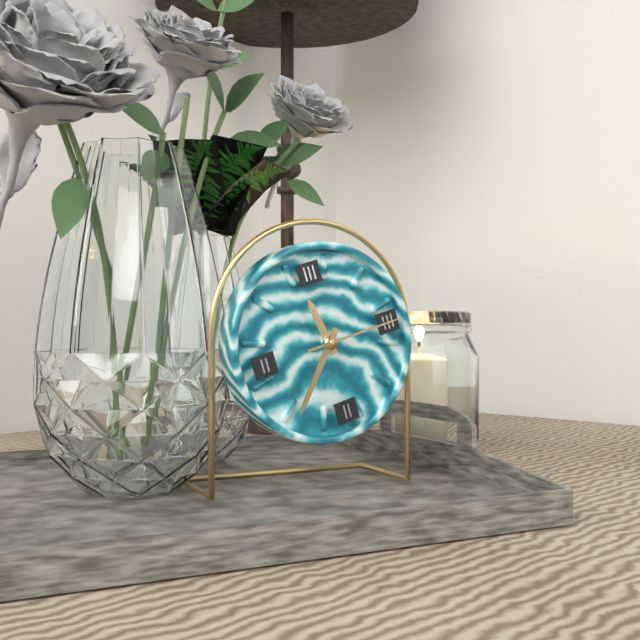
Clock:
11 h 37 min 15 s
